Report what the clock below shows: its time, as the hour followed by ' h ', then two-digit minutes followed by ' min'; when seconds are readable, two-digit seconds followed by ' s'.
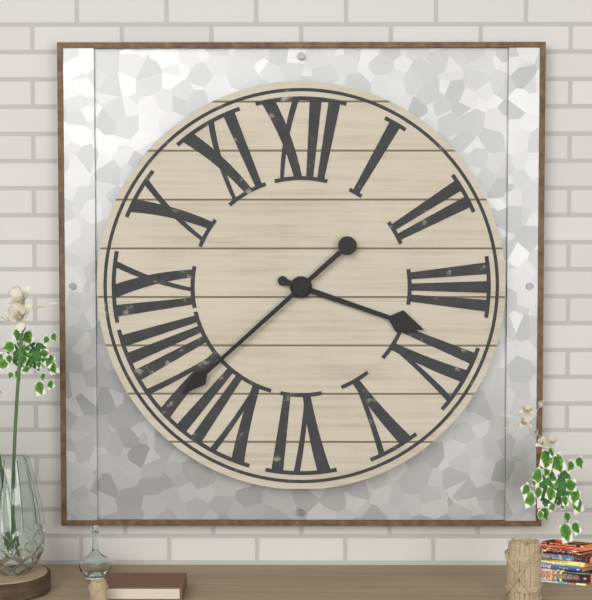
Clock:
3 h 38 min
